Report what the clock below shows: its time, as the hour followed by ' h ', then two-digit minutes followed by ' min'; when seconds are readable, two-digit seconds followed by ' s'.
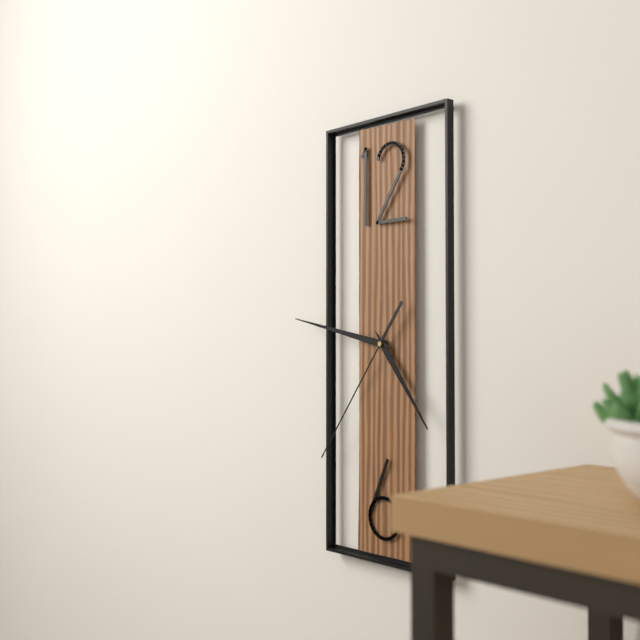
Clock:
4 h 47 min 36 s
